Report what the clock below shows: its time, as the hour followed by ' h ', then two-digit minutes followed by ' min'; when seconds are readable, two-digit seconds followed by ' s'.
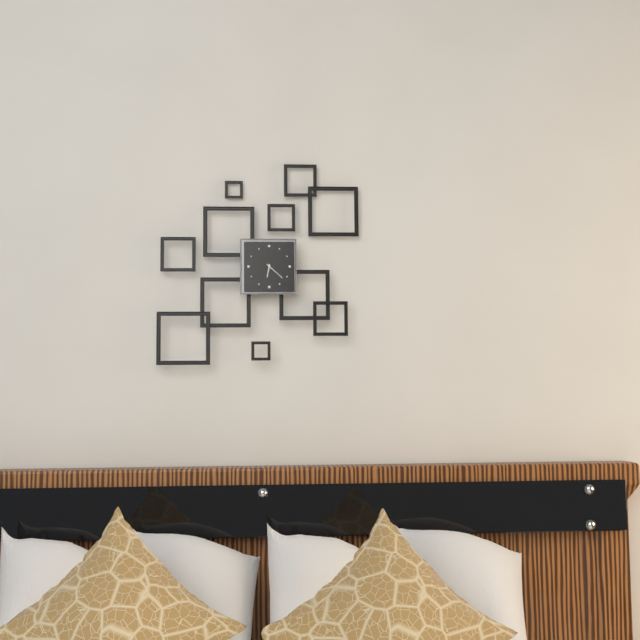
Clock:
6 h 22 min
